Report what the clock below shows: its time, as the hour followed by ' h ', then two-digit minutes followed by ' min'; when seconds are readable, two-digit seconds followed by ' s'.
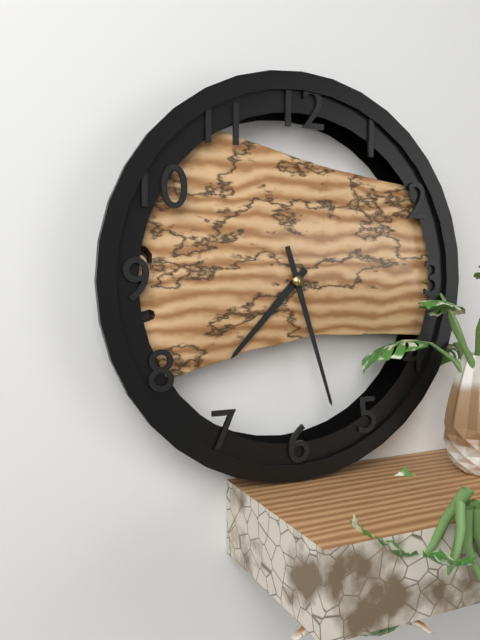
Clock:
7 h 27 min
